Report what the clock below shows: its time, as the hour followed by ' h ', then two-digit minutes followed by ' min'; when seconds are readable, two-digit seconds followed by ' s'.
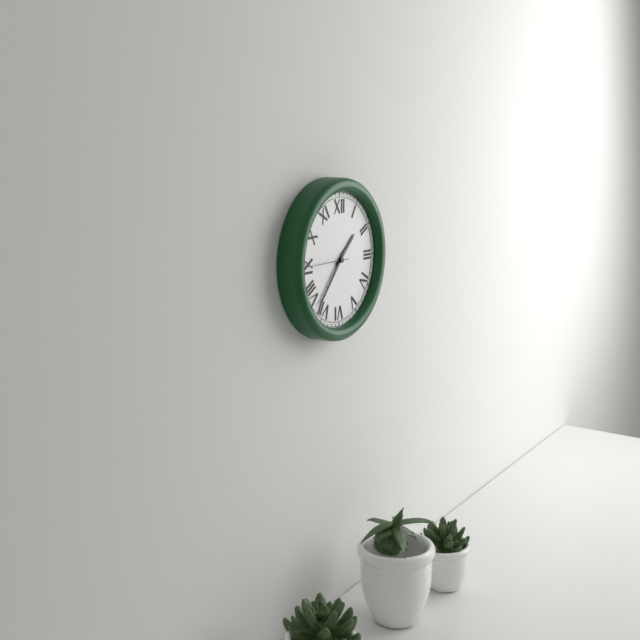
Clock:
1 h 37 min
